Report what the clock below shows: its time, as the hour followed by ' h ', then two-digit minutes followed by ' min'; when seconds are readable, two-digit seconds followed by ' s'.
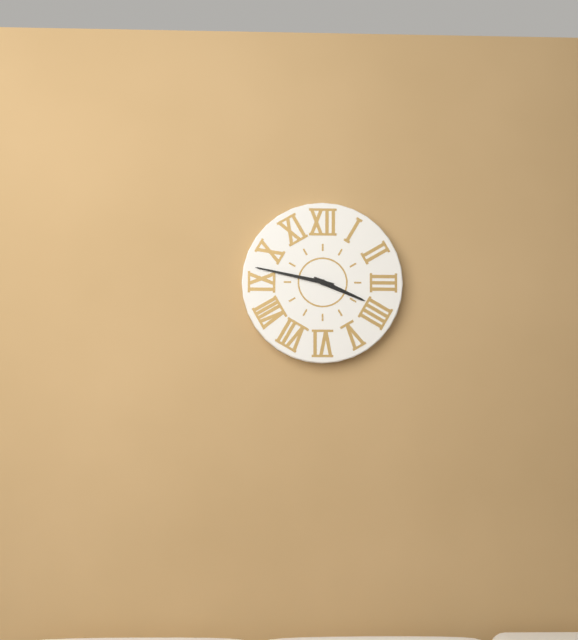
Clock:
3 h 47 min
